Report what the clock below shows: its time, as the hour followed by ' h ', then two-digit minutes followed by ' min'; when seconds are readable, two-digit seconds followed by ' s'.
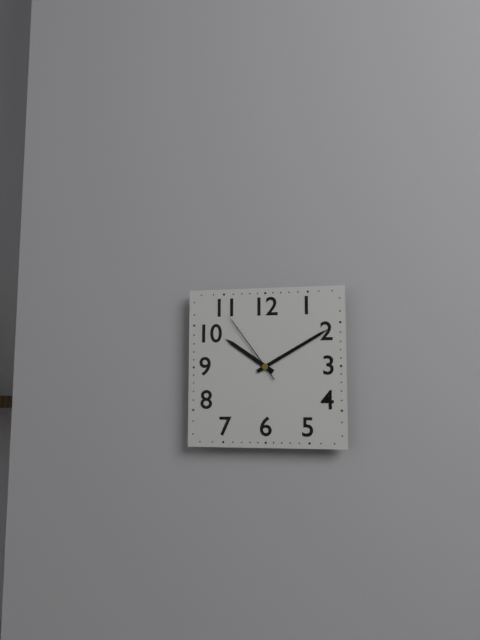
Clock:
10 h 10 min 54 s
